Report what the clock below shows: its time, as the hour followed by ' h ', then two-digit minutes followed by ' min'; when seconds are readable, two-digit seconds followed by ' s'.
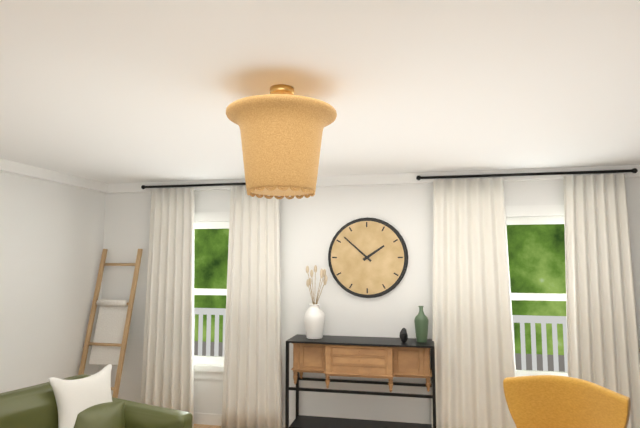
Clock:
1 h 52 min
